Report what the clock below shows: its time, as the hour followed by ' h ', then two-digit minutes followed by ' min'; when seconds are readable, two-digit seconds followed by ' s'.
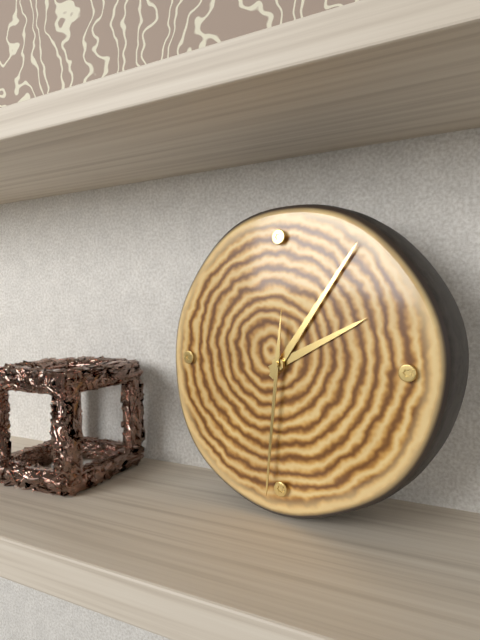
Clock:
2 h 06 min 31 s
